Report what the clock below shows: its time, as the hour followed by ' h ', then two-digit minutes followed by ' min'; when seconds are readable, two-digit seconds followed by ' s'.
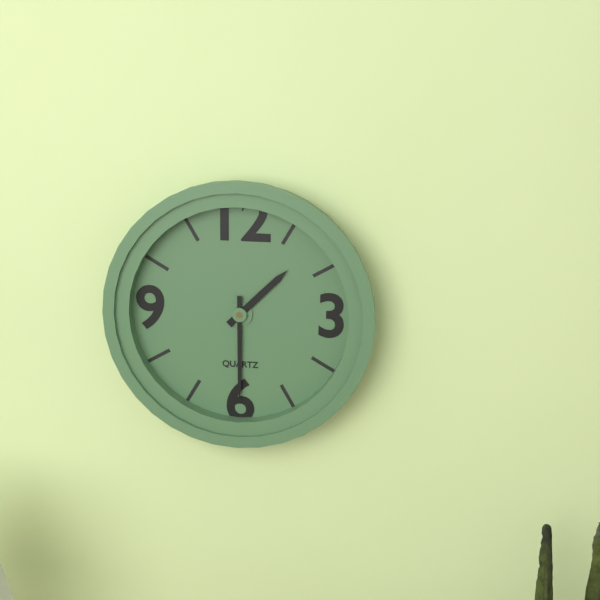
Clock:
1 h 30 min
